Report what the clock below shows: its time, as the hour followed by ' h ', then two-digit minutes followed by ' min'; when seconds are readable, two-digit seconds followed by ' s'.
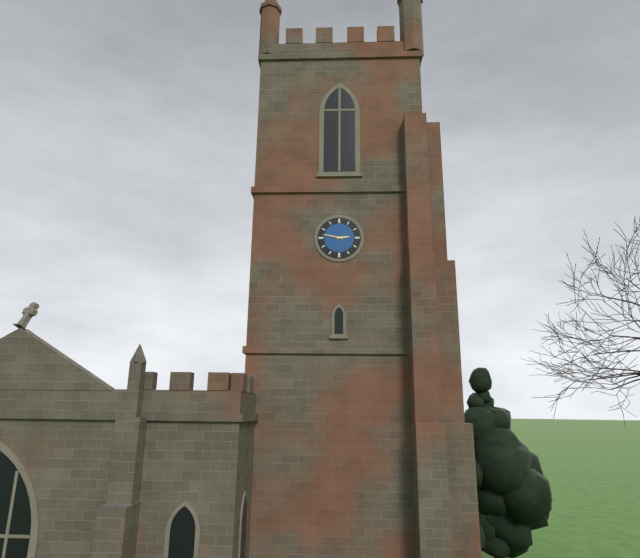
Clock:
2 h 47 min
